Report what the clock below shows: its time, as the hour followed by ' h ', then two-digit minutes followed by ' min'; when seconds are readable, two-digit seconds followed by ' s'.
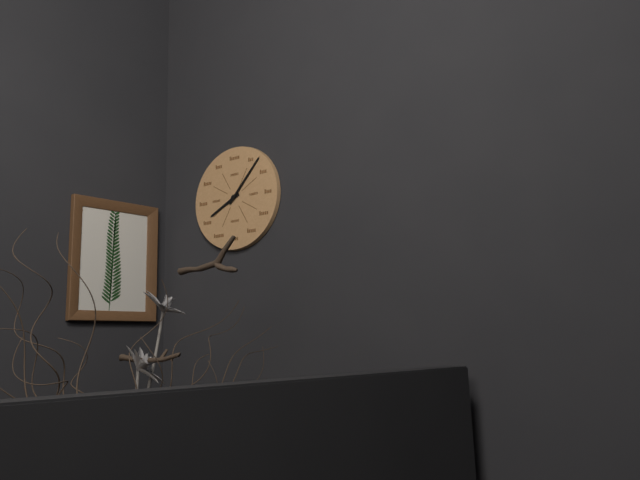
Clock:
8 h 07 min
